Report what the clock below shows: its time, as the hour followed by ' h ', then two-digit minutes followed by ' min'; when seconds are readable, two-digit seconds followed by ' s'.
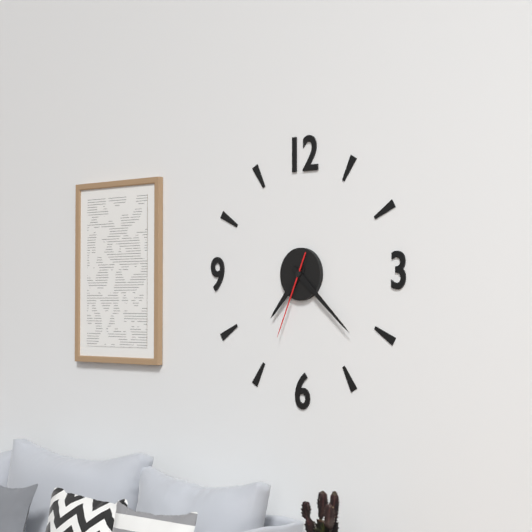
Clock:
7 h 22 min 34 s
